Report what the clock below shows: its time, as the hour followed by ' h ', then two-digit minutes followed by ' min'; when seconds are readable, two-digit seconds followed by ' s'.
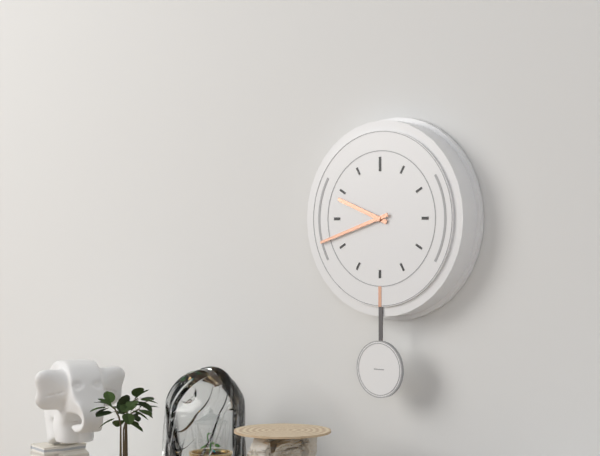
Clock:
9 h 42 min
